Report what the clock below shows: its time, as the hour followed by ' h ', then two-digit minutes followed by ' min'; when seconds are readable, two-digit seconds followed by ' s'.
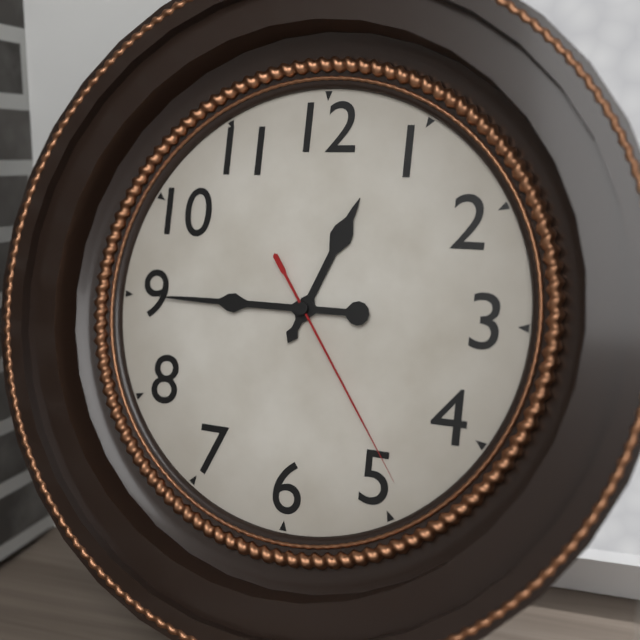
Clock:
12 h 45 min 24 s
